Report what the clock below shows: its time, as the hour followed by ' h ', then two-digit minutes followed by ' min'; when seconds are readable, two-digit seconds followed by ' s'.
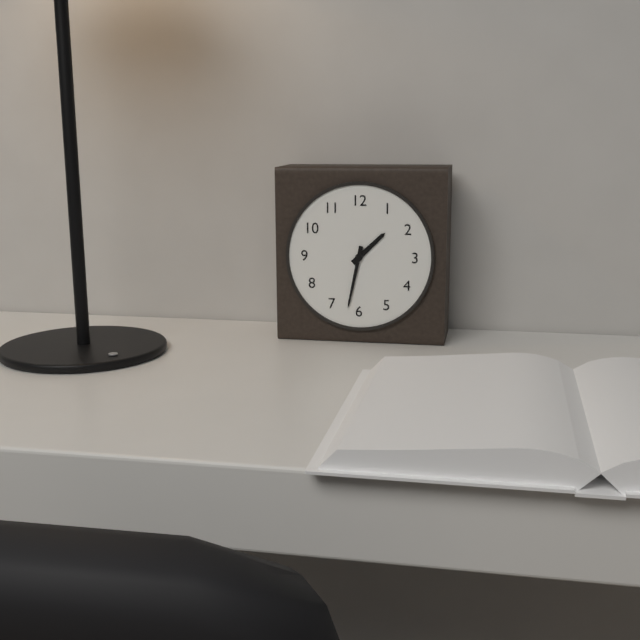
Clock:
1 h 32 min
